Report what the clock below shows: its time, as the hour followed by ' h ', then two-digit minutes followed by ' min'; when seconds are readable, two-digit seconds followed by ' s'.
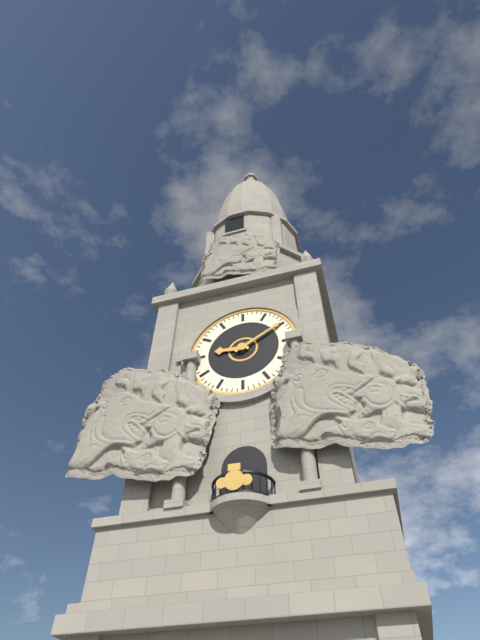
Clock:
9 h 10 min
